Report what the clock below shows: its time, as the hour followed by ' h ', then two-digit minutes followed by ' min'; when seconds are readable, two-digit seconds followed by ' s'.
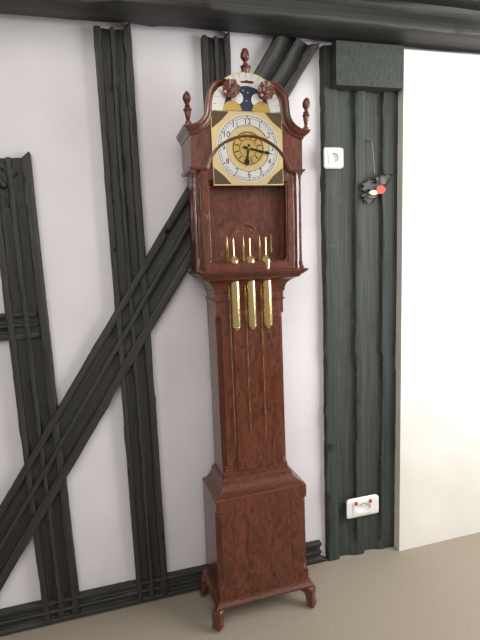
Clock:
6 h 17 min
